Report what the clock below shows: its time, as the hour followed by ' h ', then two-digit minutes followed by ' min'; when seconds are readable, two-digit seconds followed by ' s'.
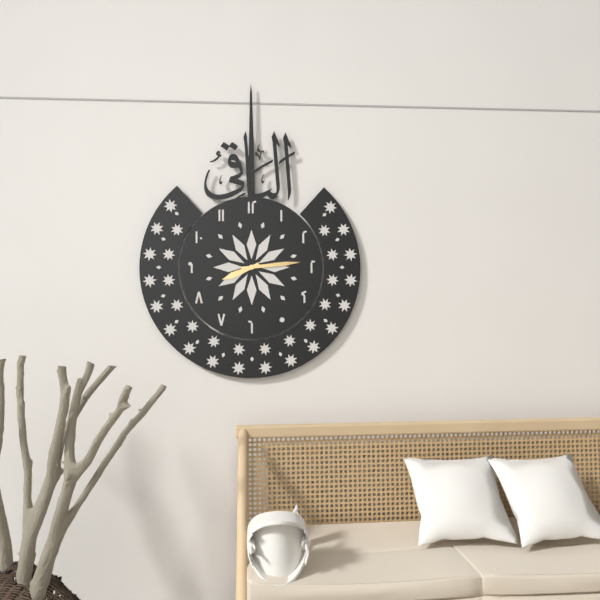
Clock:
8 h 14 min
